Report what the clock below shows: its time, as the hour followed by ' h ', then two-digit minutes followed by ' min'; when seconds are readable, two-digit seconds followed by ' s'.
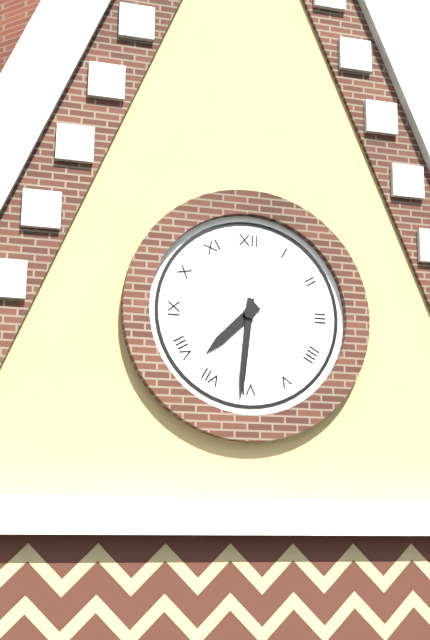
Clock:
7 h 31 min
